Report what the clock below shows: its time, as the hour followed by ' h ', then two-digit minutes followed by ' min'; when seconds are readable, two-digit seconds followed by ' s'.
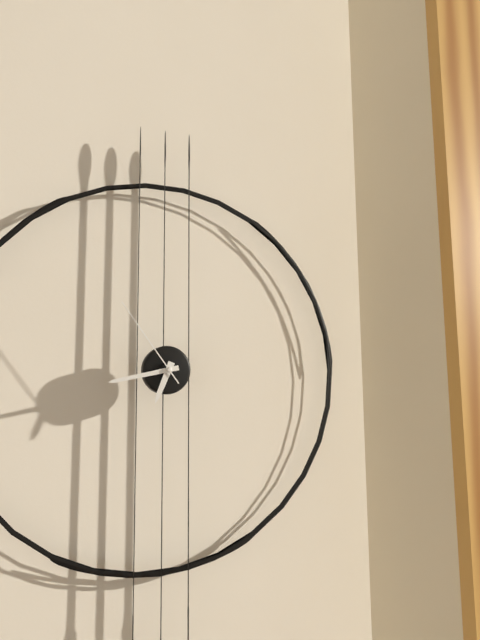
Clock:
6 h 43 min 54 s
